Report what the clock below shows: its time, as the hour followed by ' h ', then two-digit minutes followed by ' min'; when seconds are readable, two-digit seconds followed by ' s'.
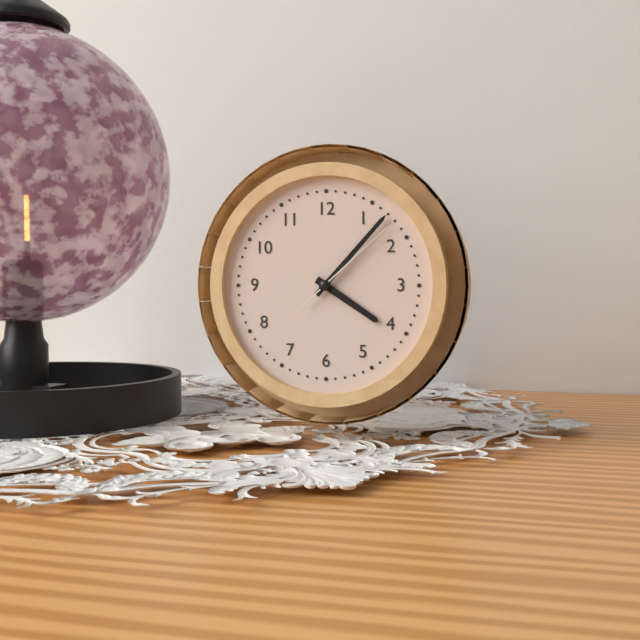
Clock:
4 h 07 min 08 s
